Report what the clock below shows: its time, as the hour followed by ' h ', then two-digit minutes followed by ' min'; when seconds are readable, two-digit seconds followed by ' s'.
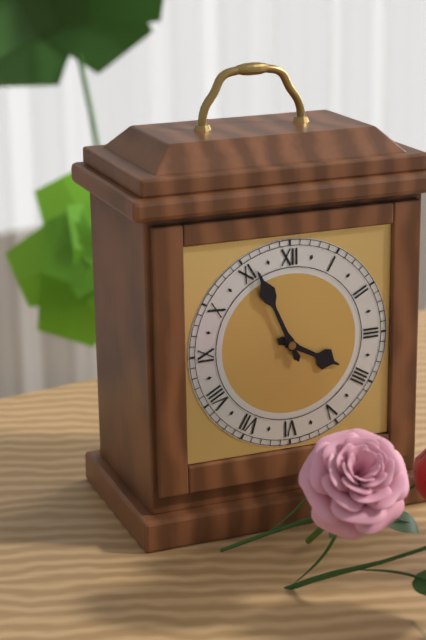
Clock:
3 h 56 min
